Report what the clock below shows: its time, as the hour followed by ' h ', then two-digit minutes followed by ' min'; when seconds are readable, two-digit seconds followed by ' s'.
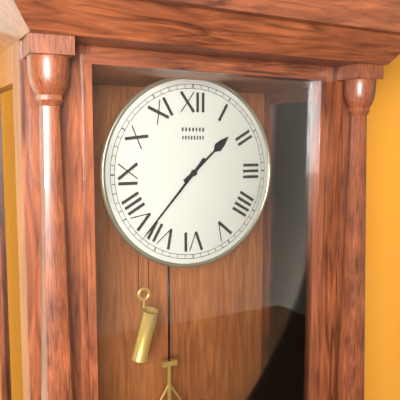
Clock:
1 h 37 min
